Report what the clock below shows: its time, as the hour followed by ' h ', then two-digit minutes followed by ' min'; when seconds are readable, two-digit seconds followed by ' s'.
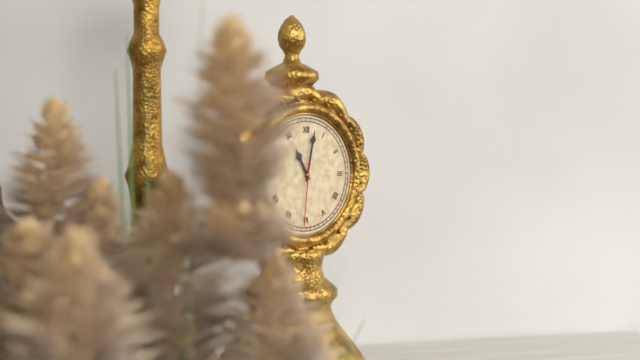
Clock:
11 h 02 min 31 s
